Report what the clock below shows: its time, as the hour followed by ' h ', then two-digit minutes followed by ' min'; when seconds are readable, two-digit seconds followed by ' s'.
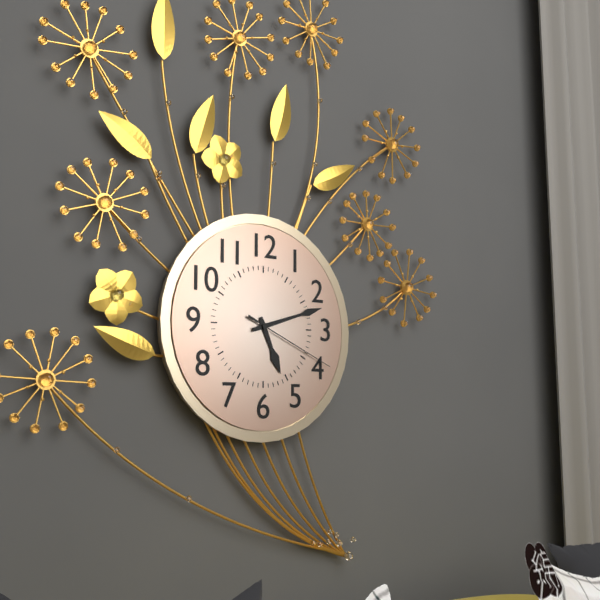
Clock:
5 h 12 min 19 s
